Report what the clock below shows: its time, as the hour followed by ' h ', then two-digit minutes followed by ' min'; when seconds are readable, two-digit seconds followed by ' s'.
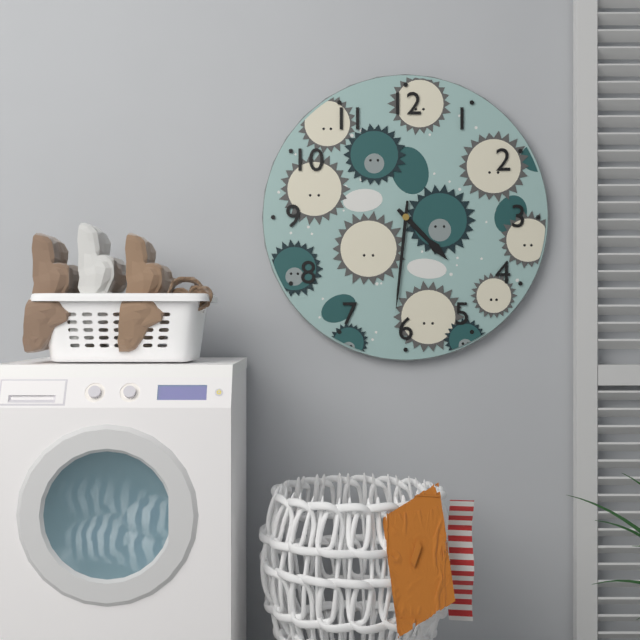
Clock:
4 h 31 min
